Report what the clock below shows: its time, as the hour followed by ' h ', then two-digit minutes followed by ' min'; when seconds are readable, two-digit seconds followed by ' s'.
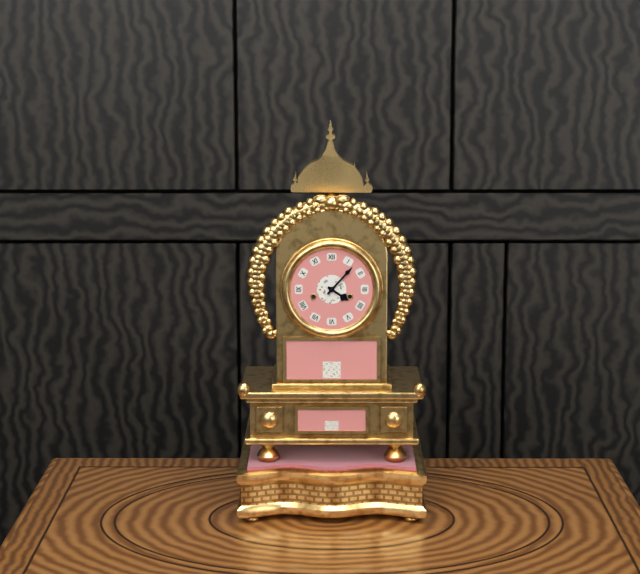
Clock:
4 h 07 min
